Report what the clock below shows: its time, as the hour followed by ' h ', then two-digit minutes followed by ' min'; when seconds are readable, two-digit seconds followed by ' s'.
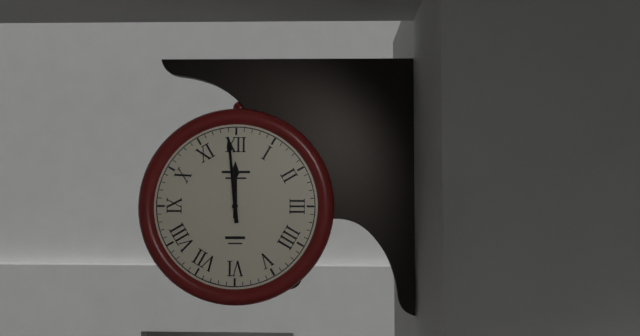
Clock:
11 h 59 min
